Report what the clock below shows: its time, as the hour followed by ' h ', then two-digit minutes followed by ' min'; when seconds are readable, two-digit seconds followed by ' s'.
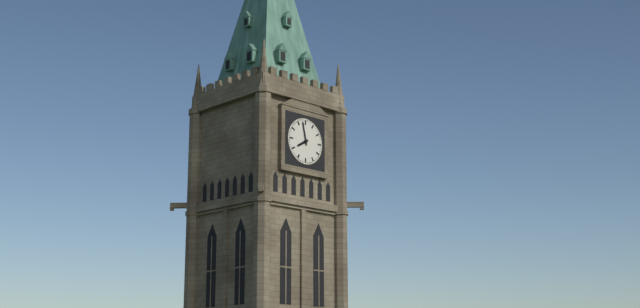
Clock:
7 h 58 min
